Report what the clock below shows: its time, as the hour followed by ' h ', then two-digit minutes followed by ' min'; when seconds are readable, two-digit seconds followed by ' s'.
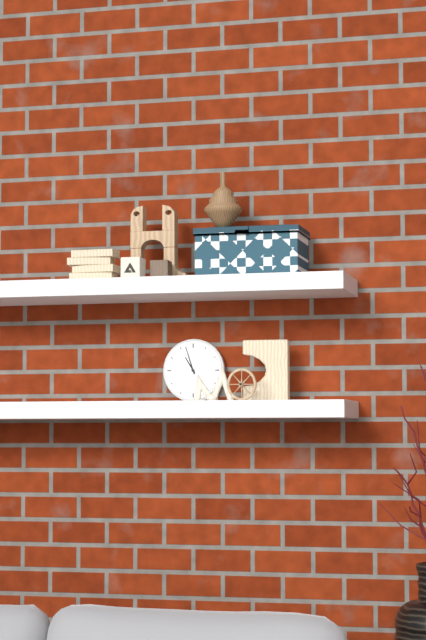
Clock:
10 h 57 min
